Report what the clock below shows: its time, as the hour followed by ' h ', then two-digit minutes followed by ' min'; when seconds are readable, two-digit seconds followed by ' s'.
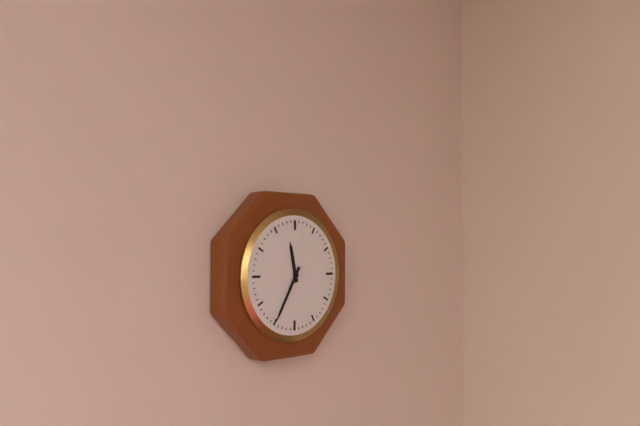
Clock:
11 h 35 min
